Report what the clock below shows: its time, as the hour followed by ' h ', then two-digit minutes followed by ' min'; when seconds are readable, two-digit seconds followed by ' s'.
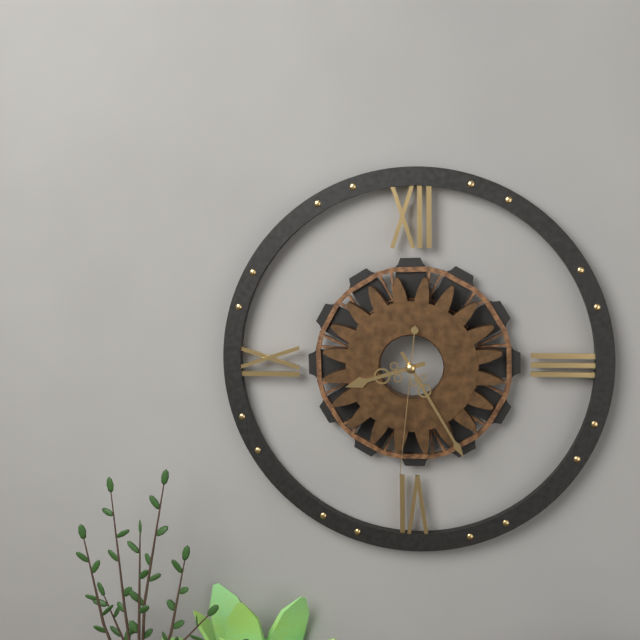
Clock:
8 h 25 min 31 s
